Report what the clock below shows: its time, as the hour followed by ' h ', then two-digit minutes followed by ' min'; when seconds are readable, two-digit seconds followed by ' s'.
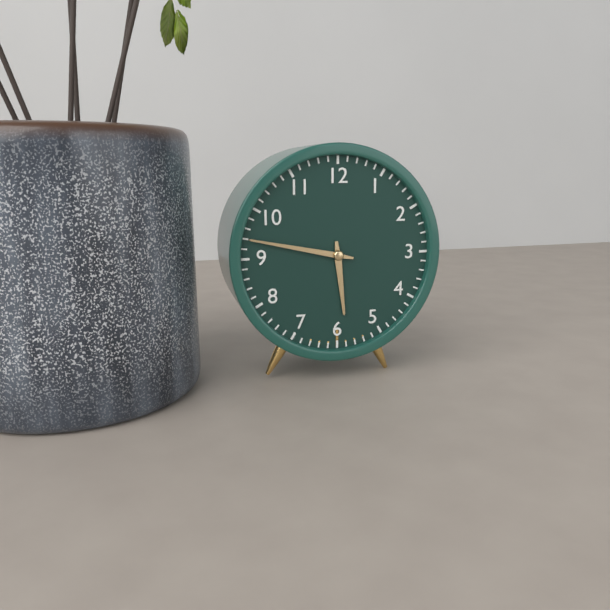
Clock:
5 h 47 min
